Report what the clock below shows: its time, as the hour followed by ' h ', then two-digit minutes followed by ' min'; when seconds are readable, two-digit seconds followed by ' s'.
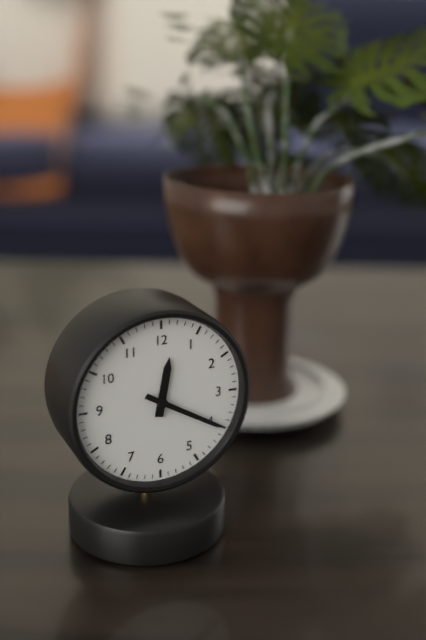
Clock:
12 h 20 min
